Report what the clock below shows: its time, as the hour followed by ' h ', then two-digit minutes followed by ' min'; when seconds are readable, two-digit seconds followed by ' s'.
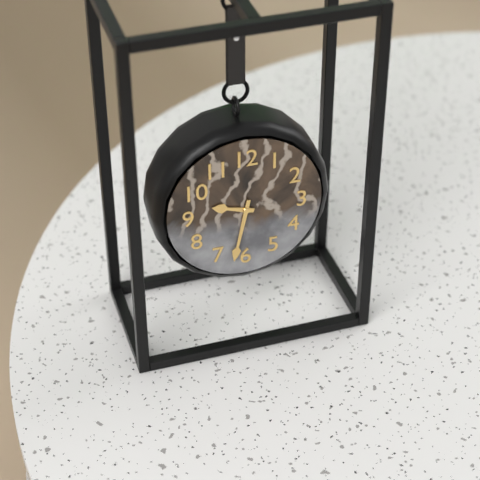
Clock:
9 h 32 min
